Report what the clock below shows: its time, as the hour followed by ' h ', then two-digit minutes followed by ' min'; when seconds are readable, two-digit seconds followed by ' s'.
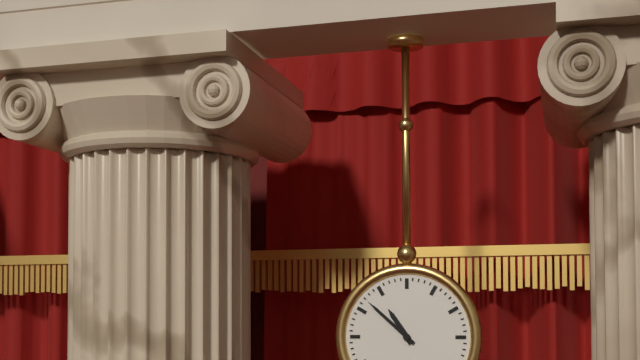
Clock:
10 h 52 min
